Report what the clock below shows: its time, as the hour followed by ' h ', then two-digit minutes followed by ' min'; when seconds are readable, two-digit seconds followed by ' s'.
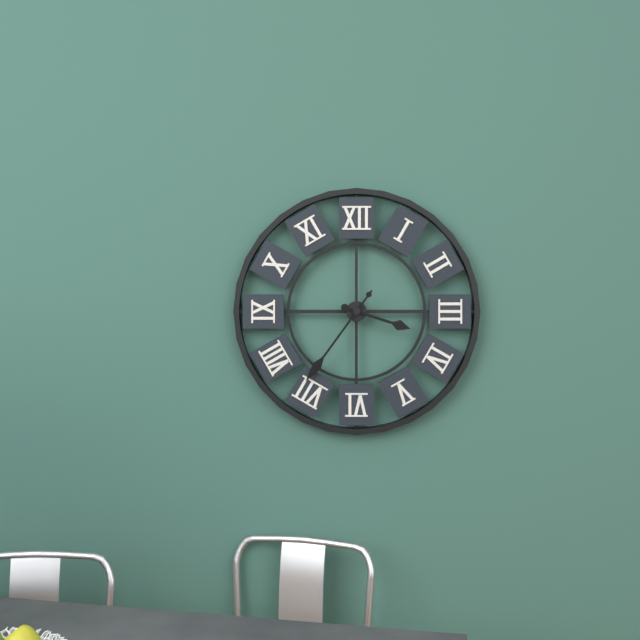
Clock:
3 h 36 min
